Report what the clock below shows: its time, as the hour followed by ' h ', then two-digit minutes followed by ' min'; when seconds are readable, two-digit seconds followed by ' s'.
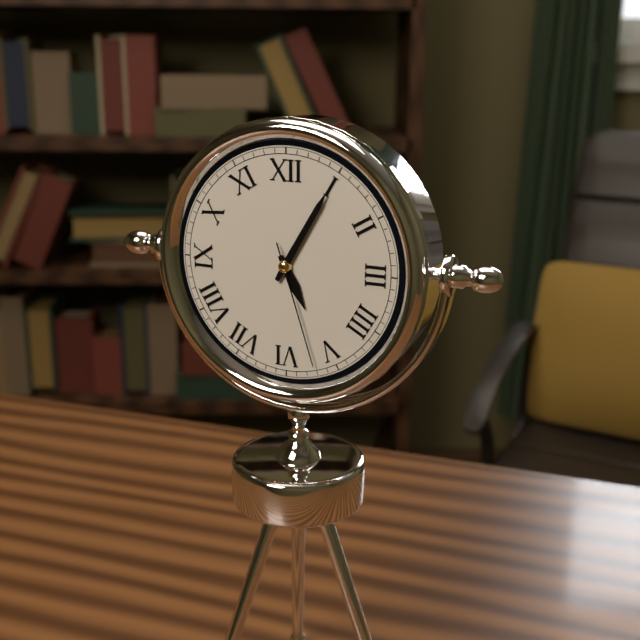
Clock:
5 h 05 min 27 s
